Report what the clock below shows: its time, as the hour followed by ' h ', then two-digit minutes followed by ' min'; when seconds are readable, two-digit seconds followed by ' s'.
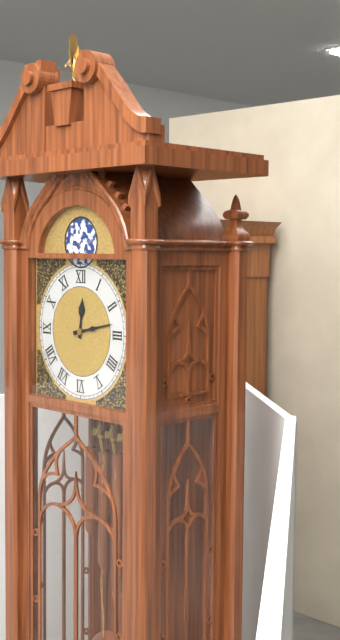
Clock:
12 h 13 min
